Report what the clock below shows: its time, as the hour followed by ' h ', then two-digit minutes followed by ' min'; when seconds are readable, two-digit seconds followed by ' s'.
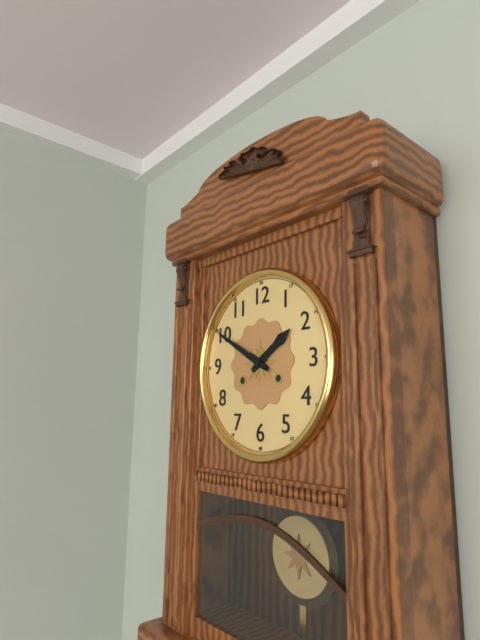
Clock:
1 h 50 min
